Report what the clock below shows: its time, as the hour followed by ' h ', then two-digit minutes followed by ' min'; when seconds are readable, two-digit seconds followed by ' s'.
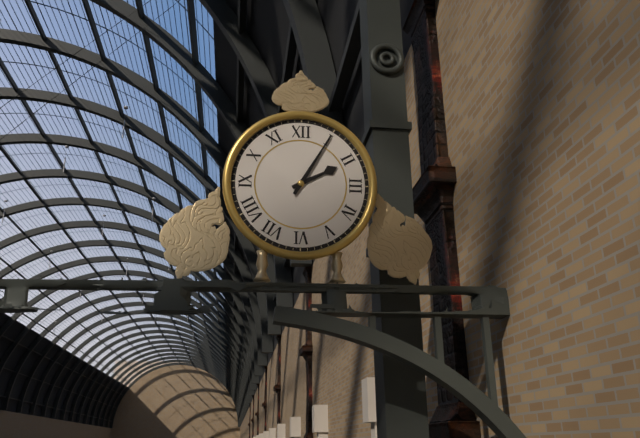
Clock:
2 h 05 min
